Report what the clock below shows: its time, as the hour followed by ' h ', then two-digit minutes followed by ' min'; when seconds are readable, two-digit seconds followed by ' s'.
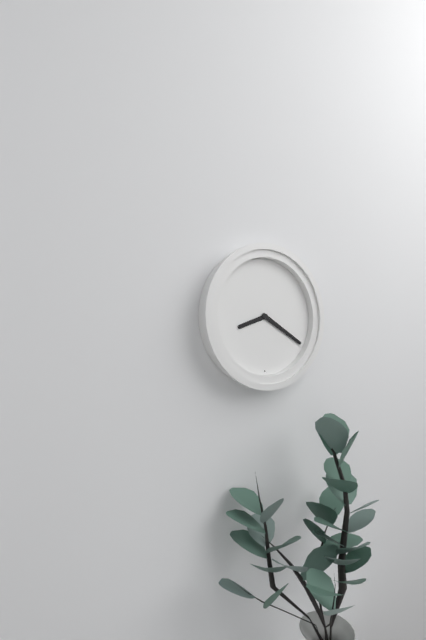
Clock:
8 h 20 min
